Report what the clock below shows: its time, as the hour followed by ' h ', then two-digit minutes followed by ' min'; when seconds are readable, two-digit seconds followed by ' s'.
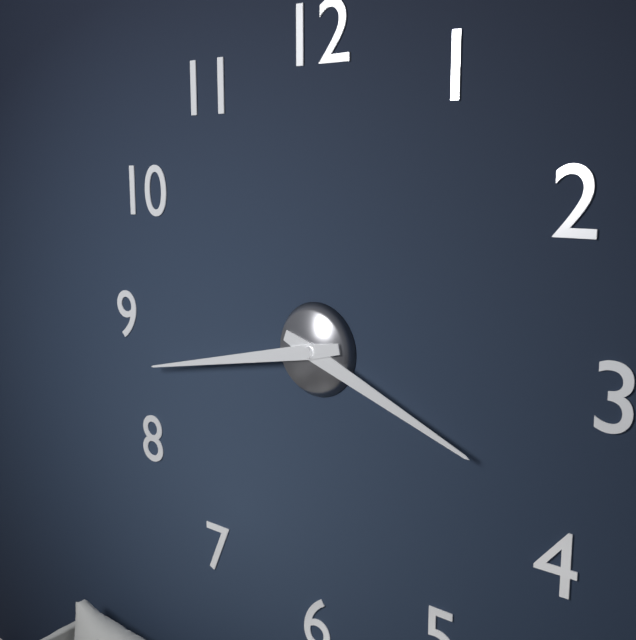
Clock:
3 h 43 min
